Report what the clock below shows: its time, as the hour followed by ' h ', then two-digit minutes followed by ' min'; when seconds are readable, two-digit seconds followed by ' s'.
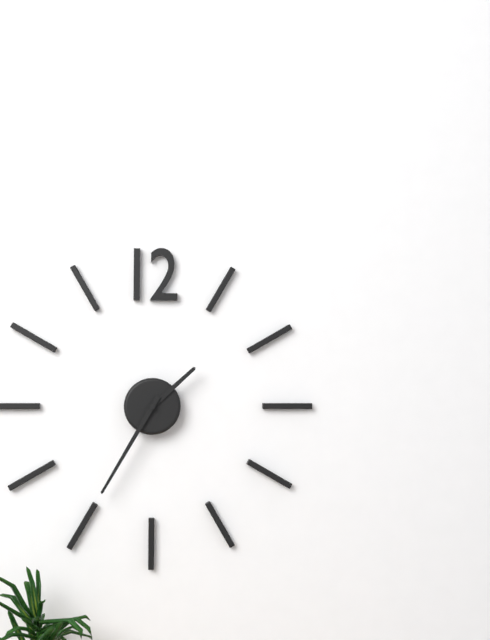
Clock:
1 h 35 min
